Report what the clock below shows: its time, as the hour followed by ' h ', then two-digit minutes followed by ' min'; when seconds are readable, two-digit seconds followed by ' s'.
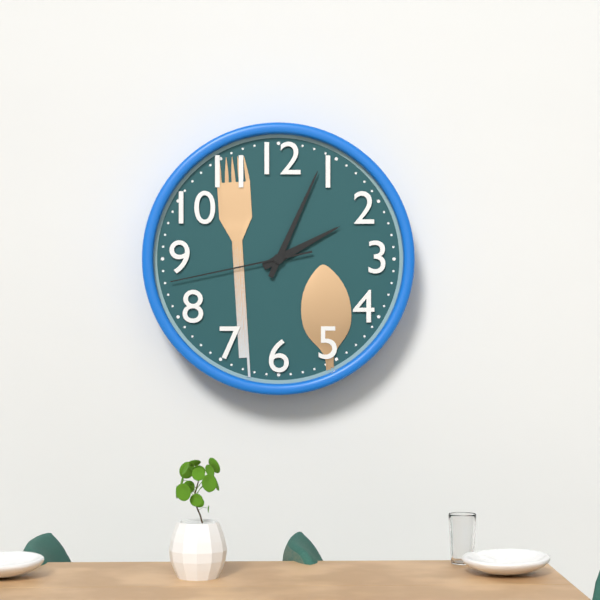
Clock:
2 h 04 min 43 s
